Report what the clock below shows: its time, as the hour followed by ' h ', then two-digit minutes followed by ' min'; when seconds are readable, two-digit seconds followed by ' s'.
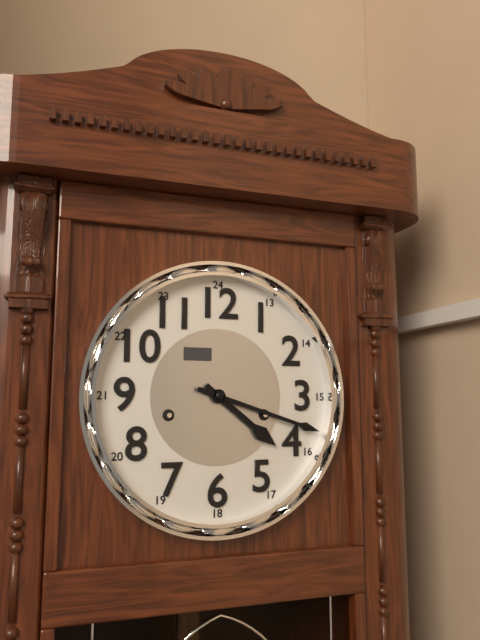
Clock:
4 h 18 min
